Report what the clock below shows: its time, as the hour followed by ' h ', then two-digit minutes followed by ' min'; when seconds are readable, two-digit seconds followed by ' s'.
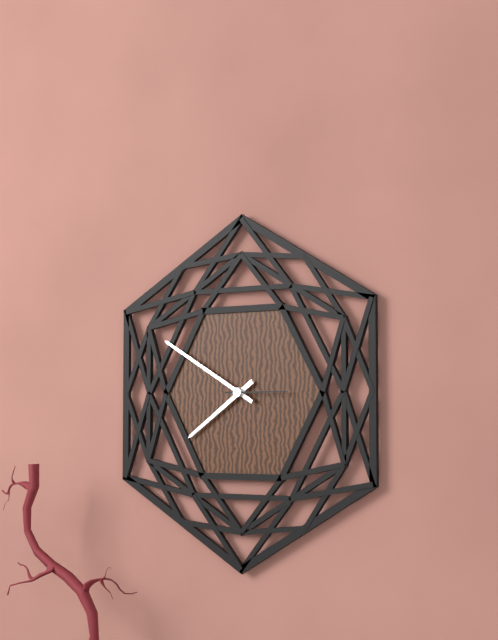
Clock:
7 h 50 min 15 s
